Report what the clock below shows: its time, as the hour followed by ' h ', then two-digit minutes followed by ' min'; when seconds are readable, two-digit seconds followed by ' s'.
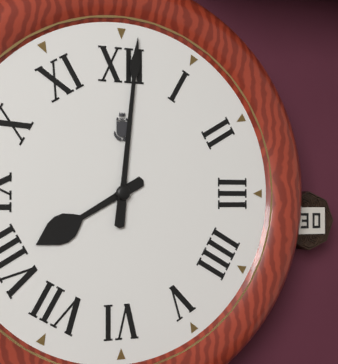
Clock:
8 h 01 min
